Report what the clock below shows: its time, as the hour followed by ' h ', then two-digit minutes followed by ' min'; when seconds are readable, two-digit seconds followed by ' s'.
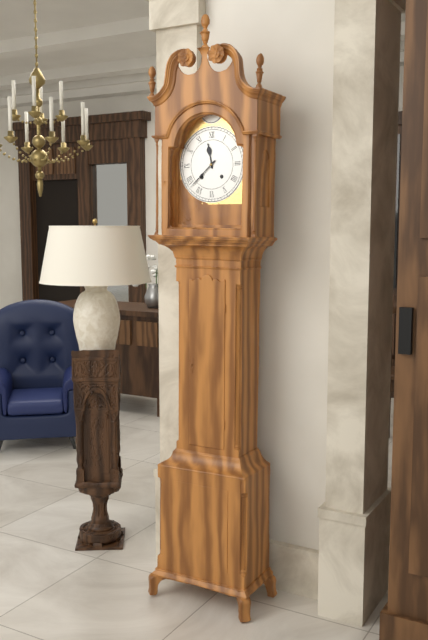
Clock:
11 h 38 min
